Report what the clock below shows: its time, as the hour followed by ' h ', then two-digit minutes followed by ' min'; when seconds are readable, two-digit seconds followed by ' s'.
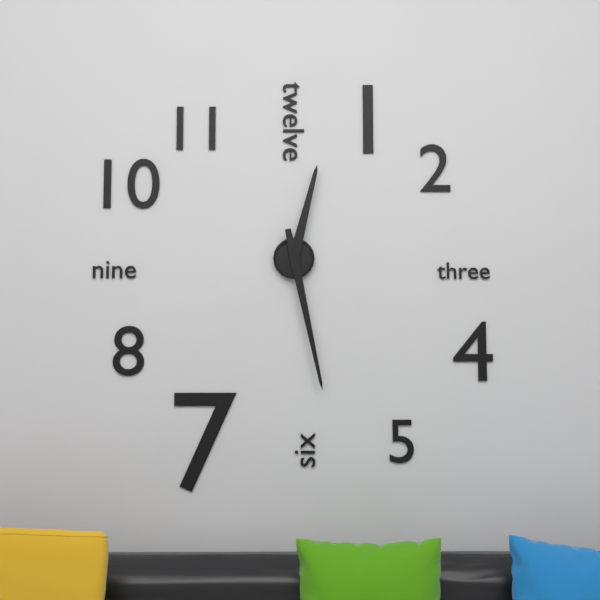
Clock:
12 h 28 min
